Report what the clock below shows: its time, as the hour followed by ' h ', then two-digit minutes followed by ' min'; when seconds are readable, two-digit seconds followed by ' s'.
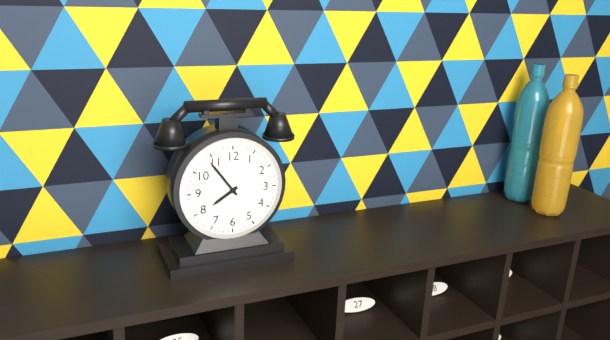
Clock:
7 h 54 min
